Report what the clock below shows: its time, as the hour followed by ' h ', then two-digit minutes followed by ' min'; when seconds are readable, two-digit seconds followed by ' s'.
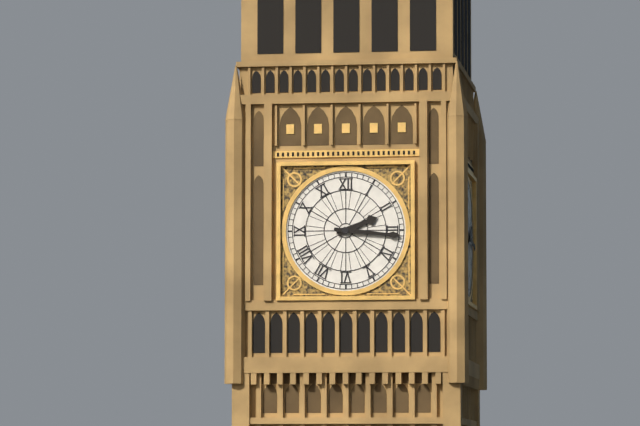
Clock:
2 h 16 min
